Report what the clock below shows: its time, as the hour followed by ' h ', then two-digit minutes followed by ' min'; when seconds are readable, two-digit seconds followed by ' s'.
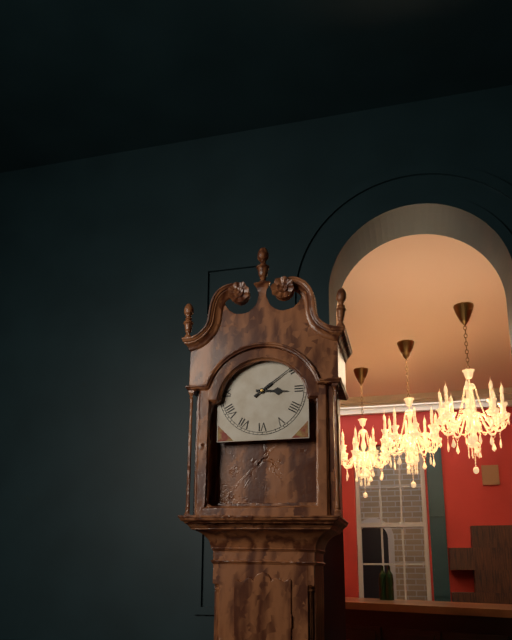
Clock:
3 h 09 min
